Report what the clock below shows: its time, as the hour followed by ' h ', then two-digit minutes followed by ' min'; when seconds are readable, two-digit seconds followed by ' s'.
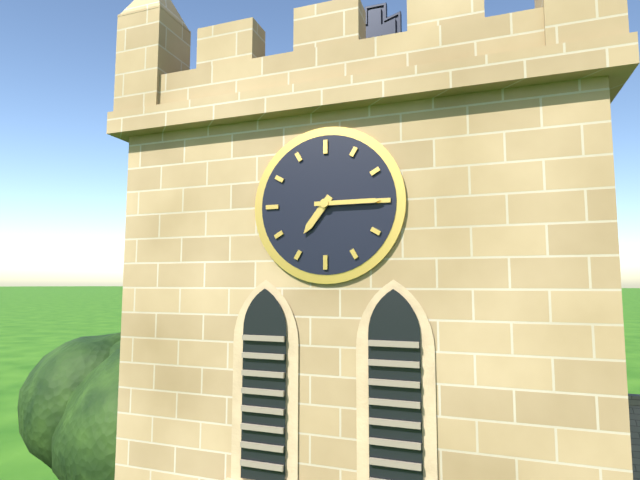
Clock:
7 h 15 min
